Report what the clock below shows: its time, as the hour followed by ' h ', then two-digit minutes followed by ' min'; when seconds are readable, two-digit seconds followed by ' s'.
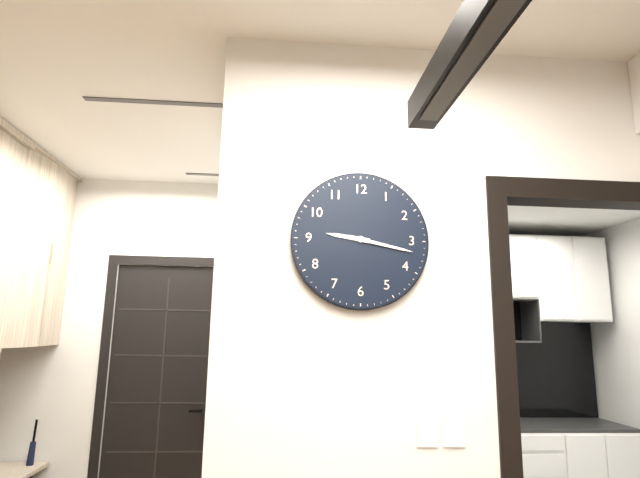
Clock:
9 h 17 min
